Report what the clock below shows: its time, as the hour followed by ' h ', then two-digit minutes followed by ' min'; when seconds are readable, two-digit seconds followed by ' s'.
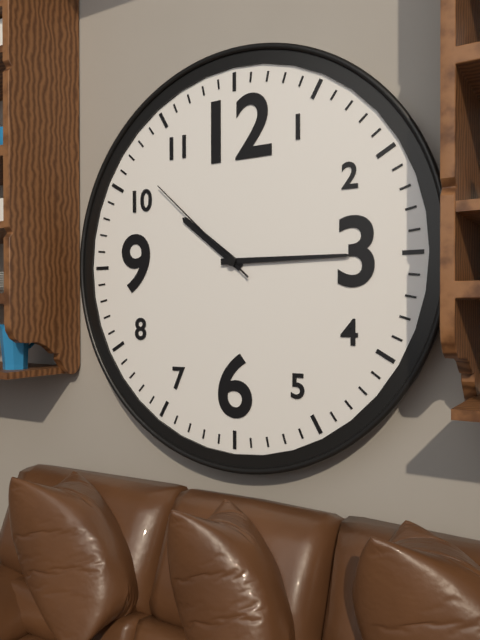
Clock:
10 h 15 min 52 s
